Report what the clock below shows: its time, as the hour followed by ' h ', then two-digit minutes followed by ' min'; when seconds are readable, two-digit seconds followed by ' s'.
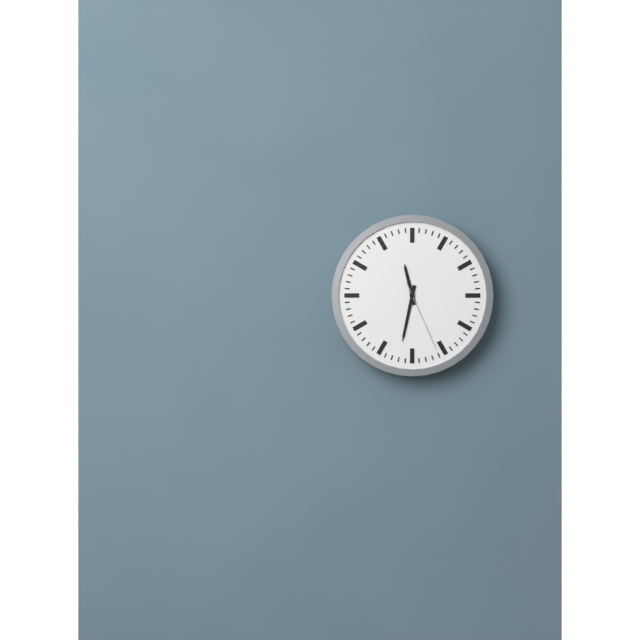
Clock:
11 h 32 min 26 s
